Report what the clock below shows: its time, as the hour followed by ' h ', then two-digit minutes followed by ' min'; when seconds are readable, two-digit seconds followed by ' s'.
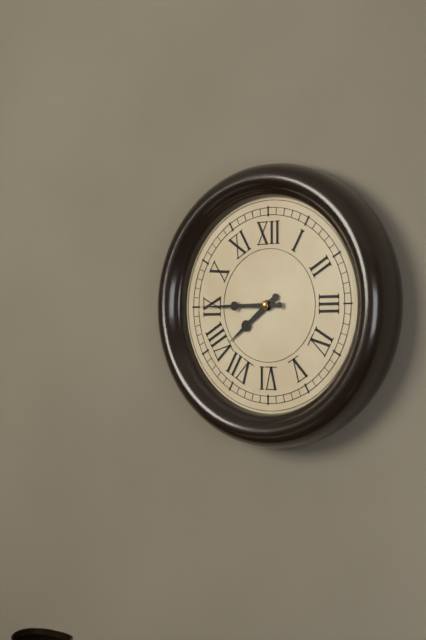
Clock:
7 h 45 min
